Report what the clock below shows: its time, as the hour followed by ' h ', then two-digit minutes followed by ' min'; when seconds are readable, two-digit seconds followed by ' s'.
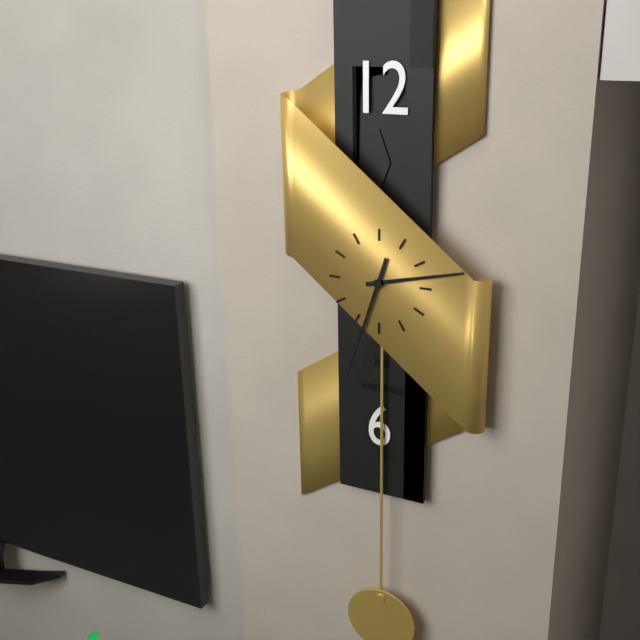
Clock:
2 h 33 min
